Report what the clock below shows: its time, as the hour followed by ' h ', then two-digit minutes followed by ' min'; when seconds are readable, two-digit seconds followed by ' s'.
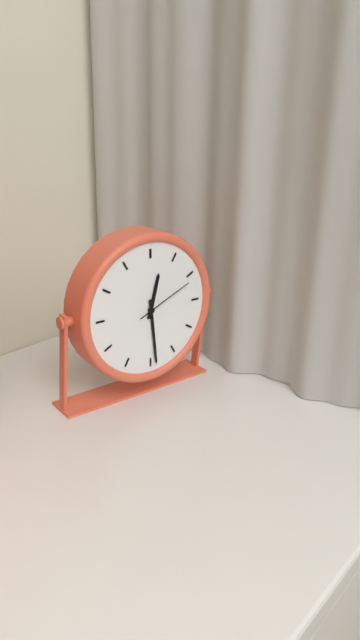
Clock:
12 h 29 min 11 s
